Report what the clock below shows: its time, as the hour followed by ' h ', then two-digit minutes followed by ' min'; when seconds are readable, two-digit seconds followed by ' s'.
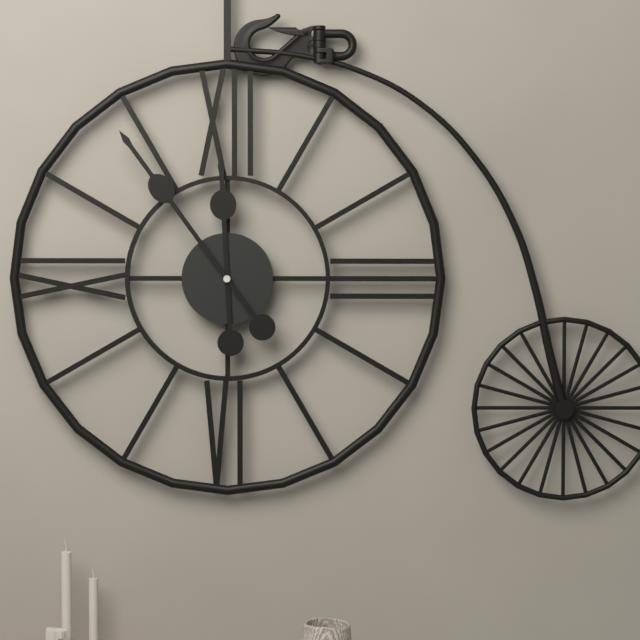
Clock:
11 h 54 min
